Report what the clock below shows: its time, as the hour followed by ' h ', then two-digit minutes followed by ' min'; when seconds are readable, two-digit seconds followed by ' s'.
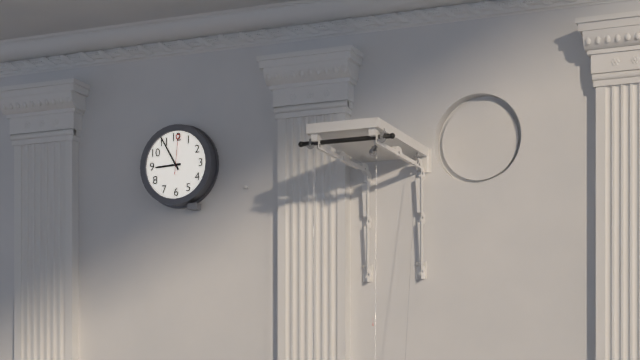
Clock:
8 h 55 min
